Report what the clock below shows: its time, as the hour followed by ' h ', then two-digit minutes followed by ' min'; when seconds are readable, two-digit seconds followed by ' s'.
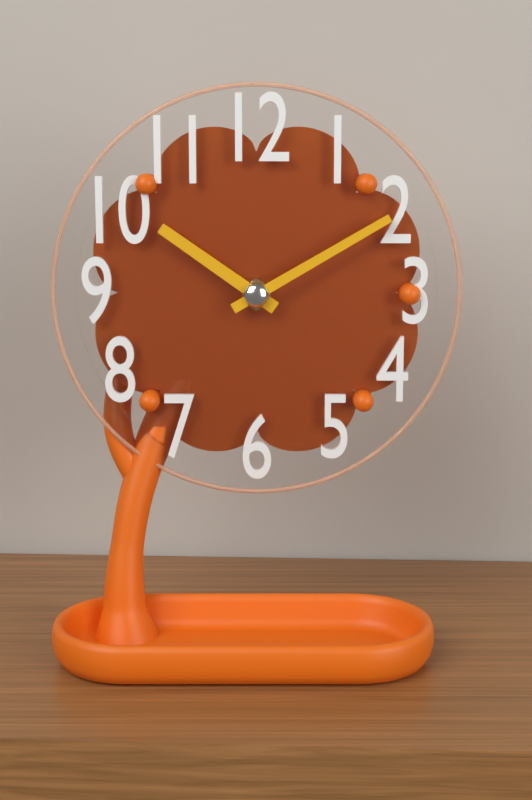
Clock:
10 h 10 min
